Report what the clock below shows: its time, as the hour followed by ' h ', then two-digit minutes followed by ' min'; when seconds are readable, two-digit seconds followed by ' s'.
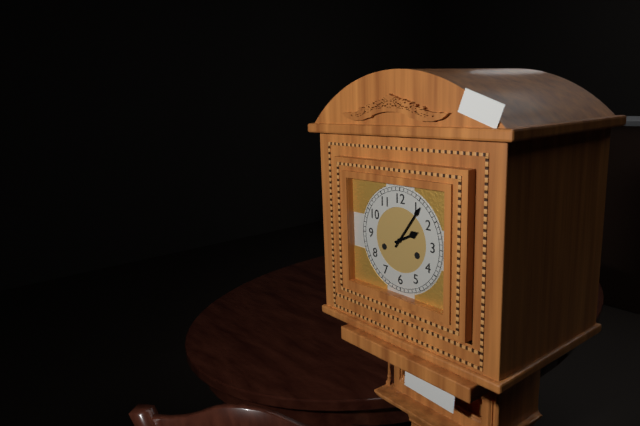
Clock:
2 h 06 min
